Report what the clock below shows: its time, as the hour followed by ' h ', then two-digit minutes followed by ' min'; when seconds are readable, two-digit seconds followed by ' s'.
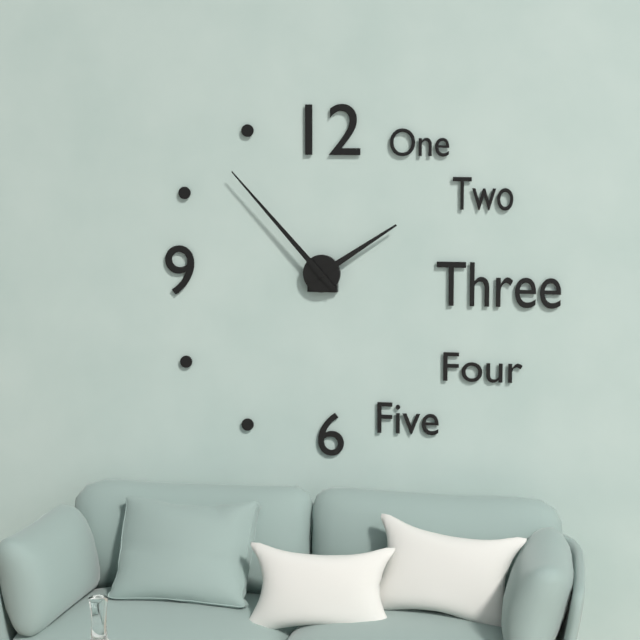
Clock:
1 h 53 min
